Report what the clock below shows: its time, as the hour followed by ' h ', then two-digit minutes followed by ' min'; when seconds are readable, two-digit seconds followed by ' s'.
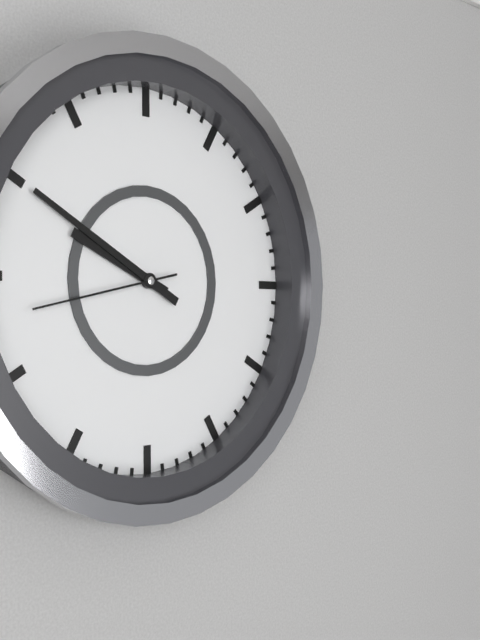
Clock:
9 h 50 min 43 s
